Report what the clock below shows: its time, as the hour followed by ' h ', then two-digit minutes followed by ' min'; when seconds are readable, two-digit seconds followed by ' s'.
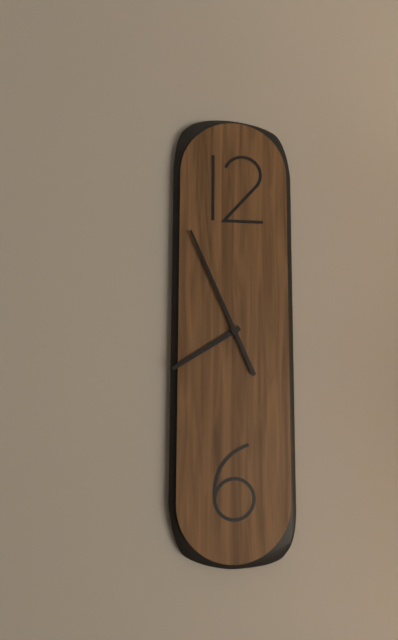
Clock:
7 h 56 min
